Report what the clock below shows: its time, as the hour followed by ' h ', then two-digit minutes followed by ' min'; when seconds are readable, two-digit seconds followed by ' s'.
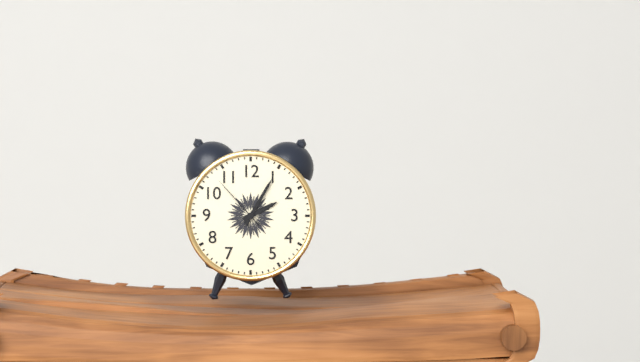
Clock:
2 h 05 min 53 s
